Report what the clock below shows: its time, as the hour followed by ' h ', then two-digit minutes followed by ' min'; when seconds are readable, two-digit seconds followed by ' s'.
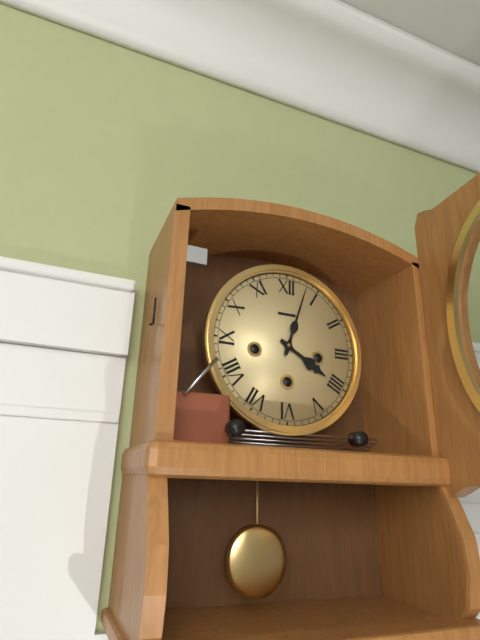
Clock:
4 h 03 min
